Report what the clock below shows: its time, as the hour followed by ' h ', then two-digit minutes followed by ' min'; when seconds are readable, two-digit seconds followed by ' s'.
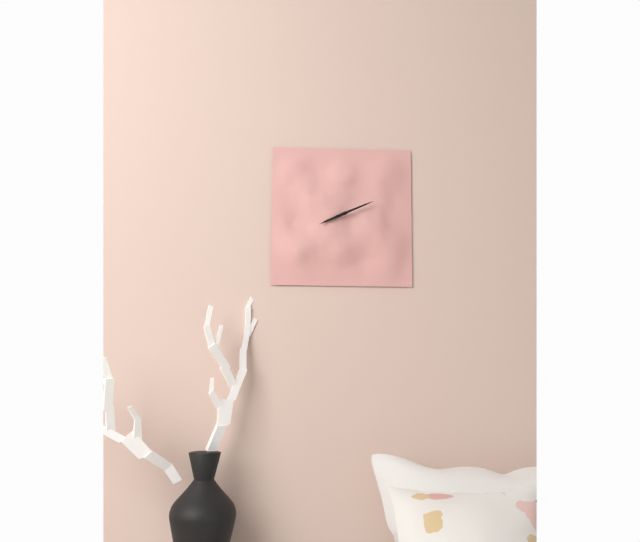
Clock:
8 h 11 min
